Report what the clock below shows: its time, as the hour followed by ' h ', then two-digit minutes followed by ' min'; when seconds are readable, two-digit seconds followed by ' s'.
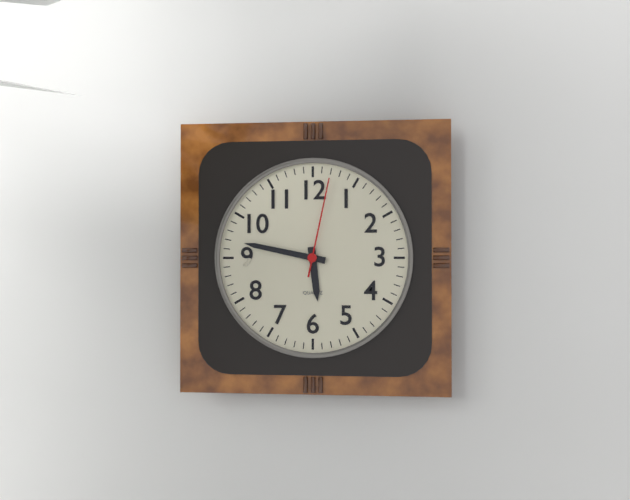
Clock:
5 h 47 min 02 s
